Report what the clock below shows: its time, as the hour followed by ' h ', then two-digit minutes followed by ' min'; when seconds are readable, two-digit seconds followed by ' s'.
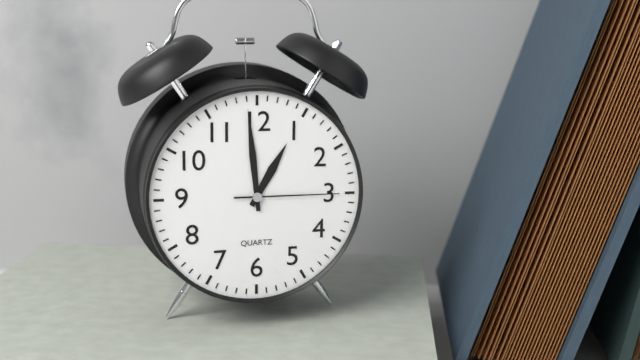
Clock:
12 h 59 min 15 s
